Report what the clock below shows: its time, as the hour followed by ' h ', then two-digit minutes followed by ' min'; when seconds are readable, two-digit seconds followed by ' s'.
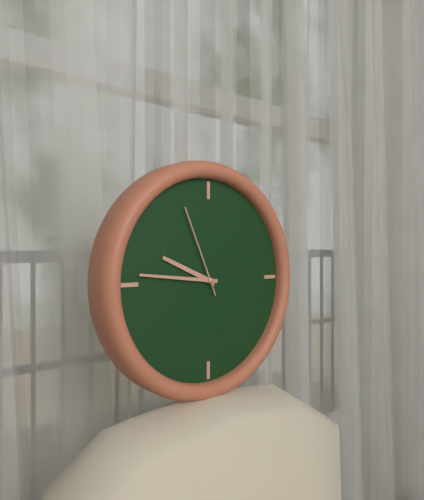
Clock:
9 h 46 min 56 s
